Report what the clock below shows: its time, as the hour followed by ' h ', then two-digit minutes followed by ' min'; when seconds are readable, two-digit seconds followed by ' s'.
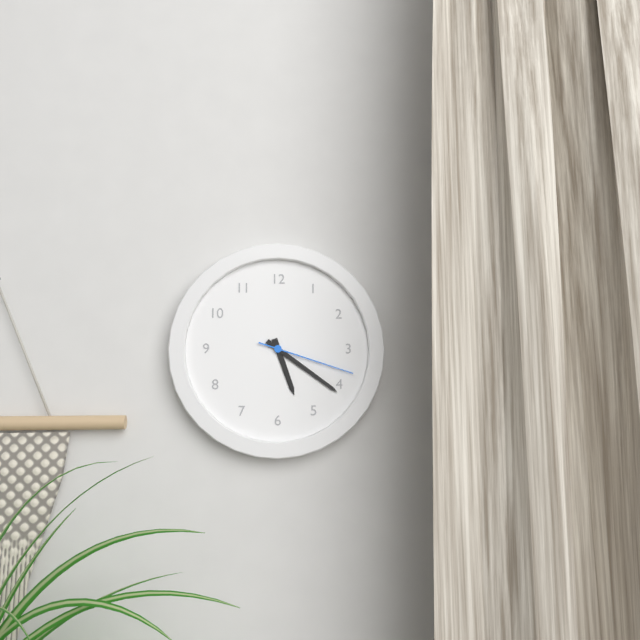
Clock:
5 h 21 min 18 s
